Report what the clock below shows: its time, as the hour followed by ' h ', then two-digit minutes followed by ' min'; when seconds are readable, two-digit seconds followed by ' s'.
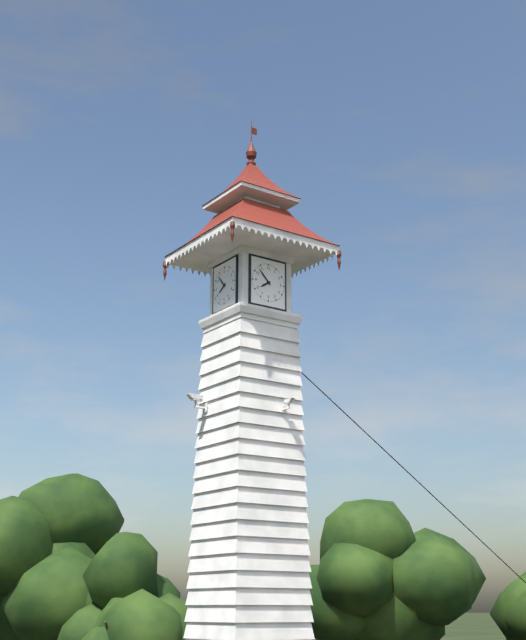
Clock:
7 h 53 min
